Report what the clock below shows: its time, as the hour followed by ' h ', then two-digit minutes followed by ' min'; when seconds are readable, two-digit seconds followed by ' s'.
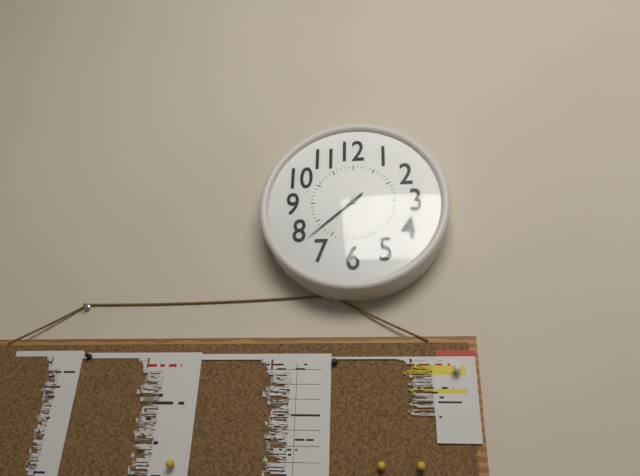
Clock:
7 h 38 min
